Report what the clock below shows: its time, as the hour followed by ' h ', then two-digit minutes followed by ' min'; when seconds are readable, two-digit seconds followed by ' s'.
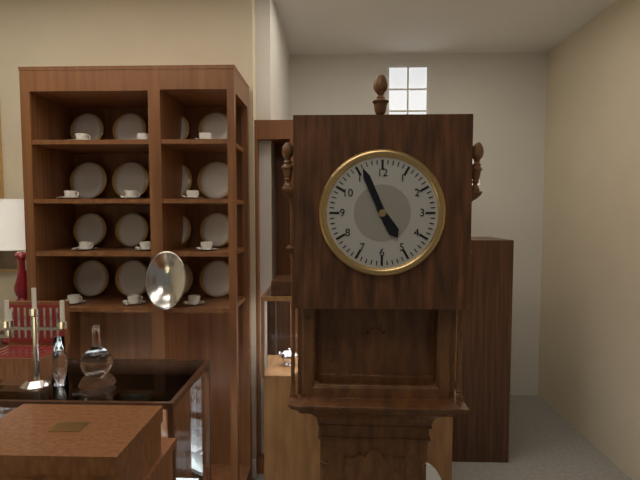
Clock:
4 h 56 min
